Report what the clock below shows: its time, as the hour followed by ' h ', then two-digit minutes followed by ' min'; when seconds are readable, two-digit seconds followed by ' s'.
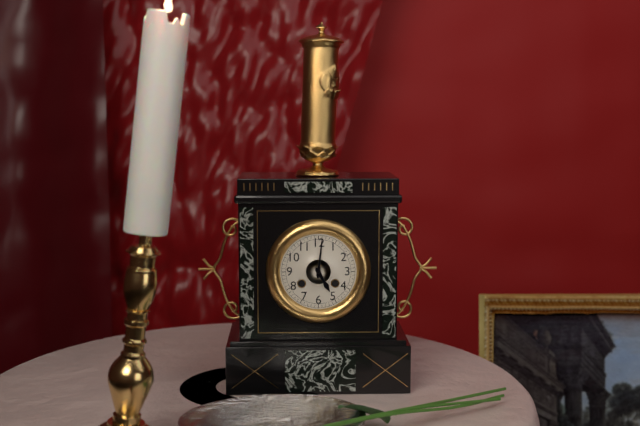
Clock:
5 h 01 min
